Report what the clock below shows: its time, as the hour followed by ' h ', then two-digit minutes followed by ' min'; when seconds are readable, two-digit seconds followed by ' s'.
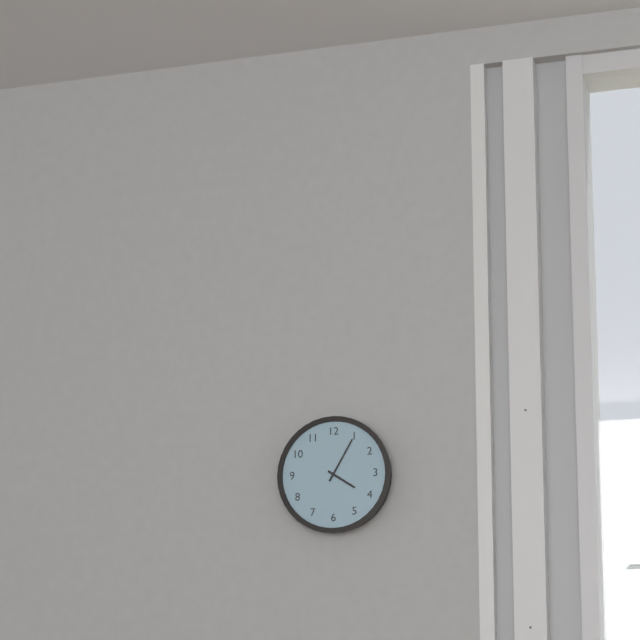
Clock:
4 h 05 min
